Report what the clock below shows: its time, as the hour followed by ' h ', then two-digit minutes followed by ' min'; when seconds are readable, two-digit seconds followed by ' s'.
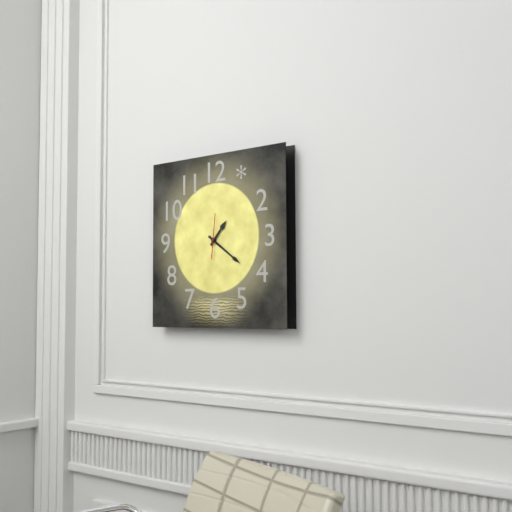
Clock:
1 h 21 min
